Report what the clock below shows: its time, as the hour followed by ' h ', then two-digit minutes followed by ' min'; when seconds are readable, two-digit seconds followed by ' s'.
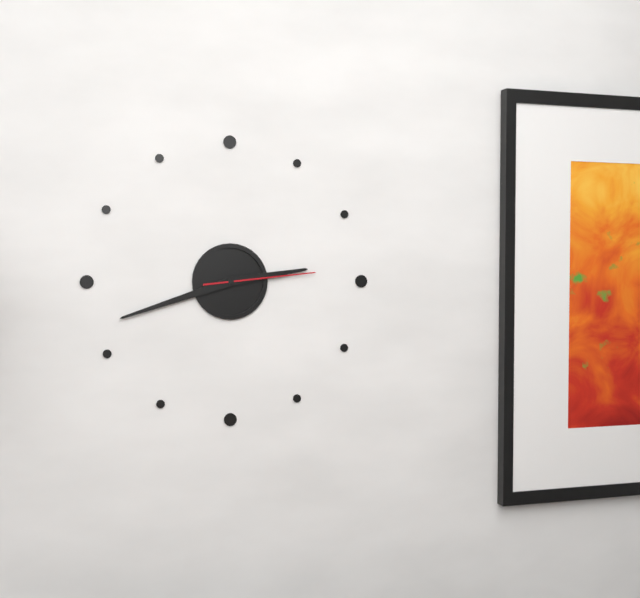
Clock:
2 h 42 min 14 s
